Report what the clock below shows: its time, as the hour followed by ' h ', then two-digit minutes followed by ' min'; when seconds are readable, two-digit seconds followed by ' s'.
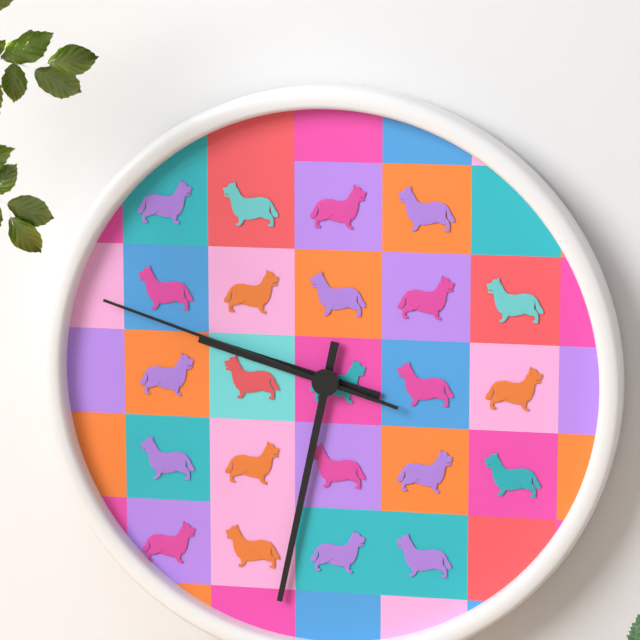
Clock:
9 h 32 min 48 s
